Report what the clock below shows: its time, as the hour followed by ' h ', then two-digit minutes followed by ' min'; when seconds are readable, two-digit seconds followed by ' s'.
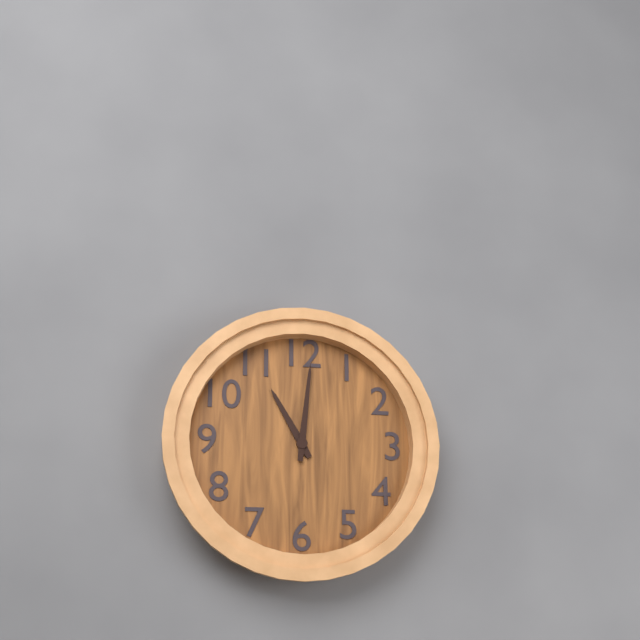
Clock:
11 h 01 min
